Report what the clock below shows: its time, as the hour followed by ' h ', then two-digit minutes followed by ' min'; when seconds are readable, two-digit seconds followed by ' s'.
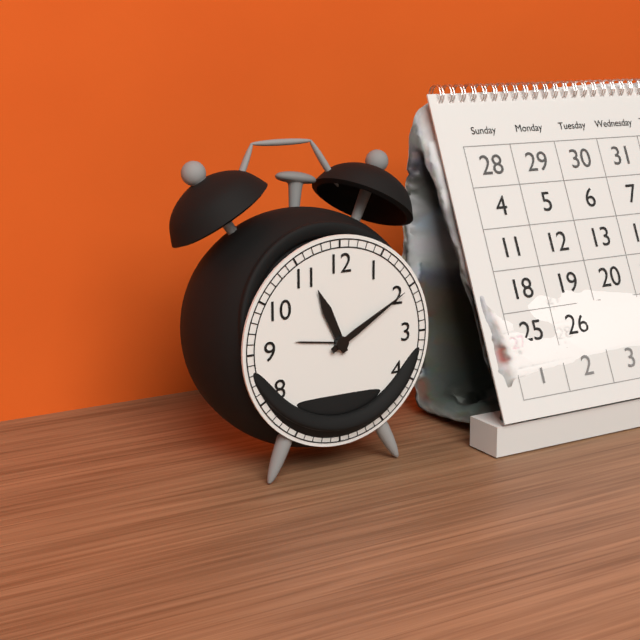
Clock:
11 h 10 min
